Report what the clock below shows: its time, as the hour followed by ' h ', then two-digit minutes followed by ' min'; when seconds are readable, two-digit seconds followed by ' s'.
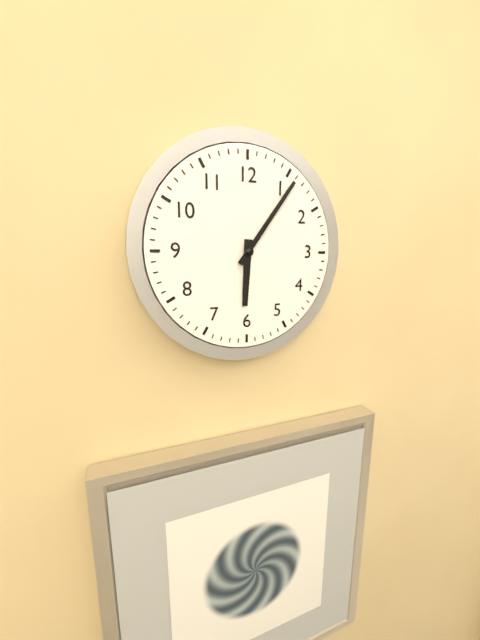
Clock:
6 h 06 min
